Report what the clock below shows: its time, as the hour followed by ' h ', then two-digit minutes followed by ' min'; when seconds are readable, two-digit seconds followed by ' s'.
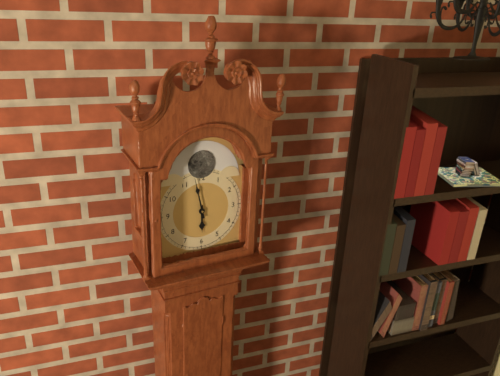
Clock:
5 h 58 min
